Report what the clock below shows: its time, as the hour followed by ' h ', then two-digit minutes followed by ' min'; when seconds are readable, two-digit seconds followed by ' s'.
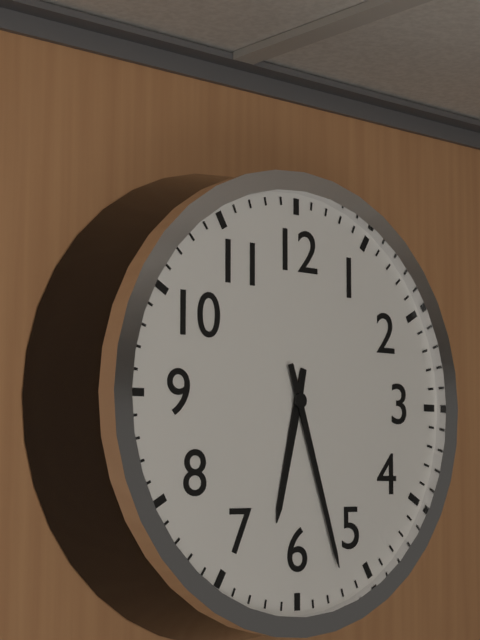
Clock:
6 h 27 min
